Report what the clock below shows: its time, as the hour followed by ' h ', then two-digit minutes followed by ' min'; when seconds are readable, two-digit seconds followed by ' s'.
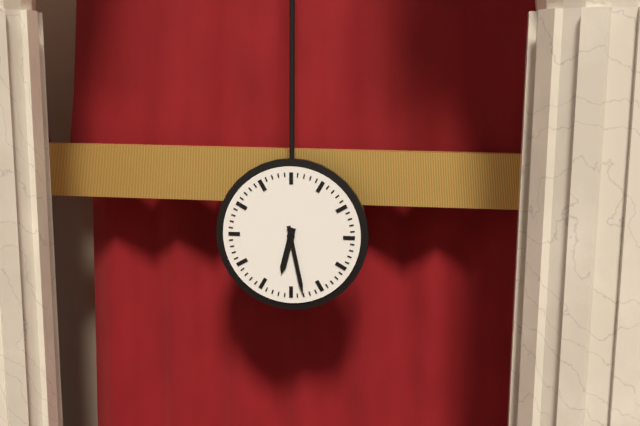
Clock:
6 h 28 min
